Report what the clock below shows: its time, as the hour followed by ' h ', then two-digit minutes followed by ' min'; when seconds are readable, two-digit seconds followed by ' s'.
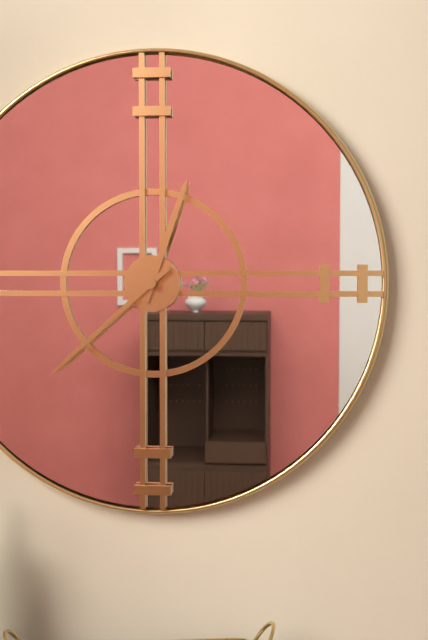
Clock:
12 h 38 min
